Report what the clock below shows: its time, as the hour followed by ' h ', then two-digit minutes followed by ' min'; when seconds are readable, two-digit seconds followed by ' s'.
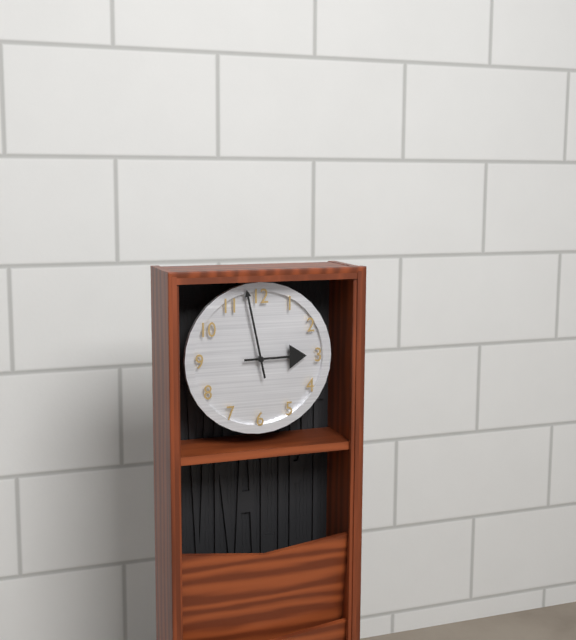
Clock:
2 h 58 min
